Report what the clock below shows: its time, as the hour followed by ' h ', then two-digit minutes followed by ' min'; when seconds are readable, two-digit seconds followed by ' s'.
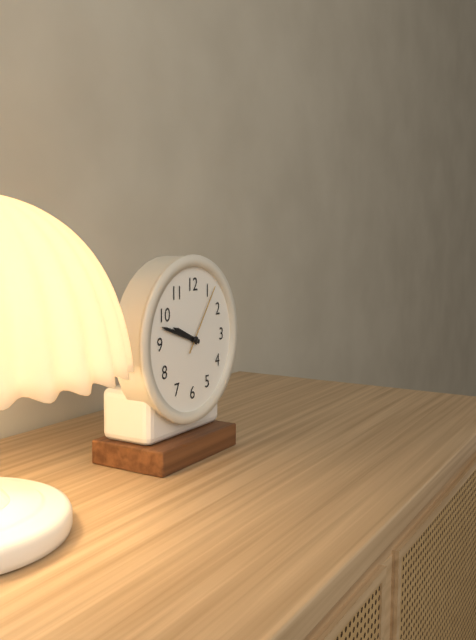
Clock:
9 h 48 min 06 s
